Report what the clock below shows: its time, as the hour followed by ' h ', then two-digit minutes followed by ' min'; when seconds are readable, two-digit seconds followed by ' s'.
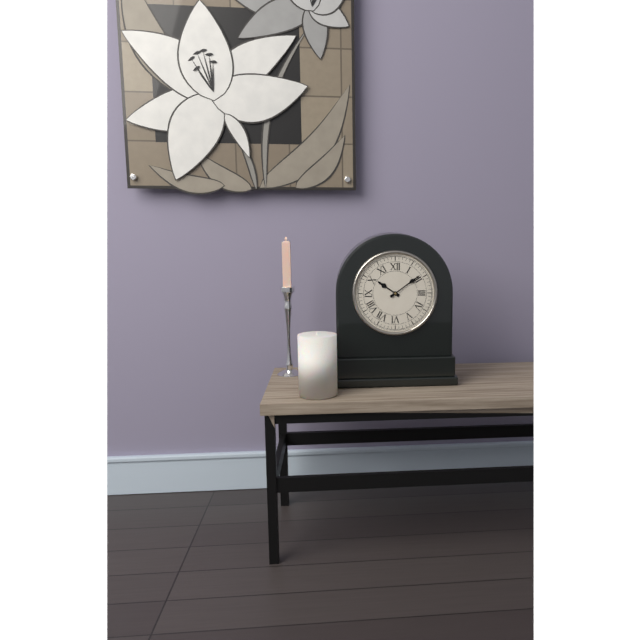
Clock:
10 h 09 min
